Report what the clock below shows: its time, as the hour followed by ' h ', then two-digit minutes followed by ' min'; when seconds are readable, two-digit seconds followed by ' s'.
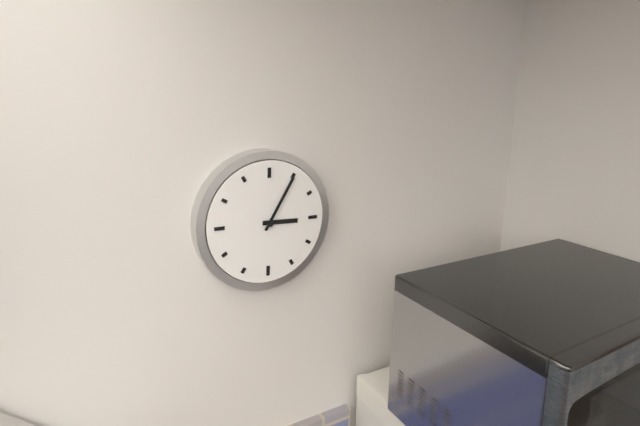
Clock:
3 h 05 min
